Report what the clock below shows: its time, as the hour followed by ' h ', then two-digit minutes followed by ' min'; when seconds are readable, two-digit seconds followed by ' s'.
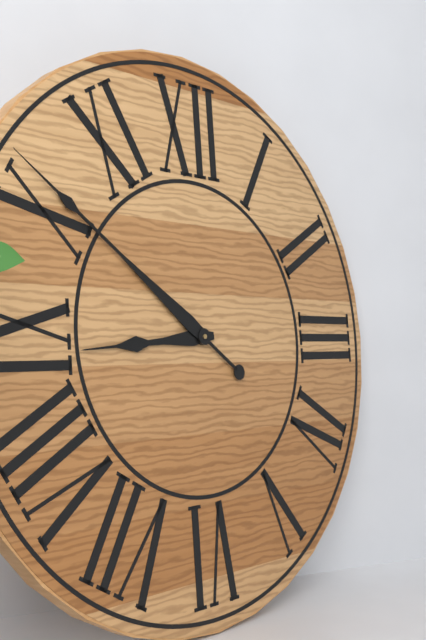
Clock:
8 h 51 min
